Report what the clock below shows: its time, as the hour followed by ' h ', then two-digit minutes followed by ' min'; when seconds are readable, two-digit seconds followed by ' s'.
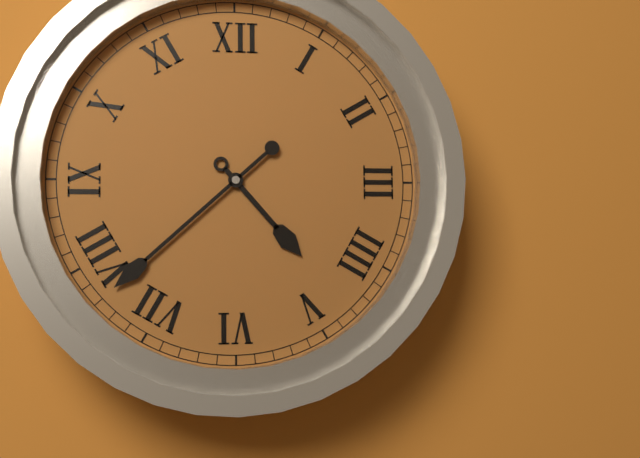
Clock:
4 h 38 min
